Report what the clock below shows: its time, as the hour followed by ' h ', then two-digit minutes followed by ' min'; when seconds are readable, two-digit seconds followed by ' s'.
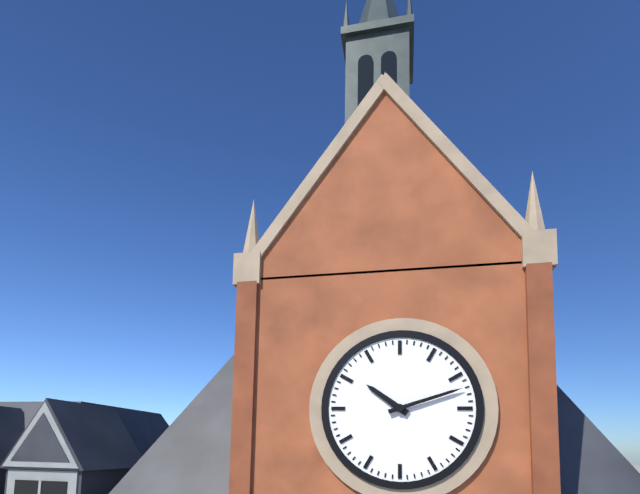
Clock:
10 h 12 min
